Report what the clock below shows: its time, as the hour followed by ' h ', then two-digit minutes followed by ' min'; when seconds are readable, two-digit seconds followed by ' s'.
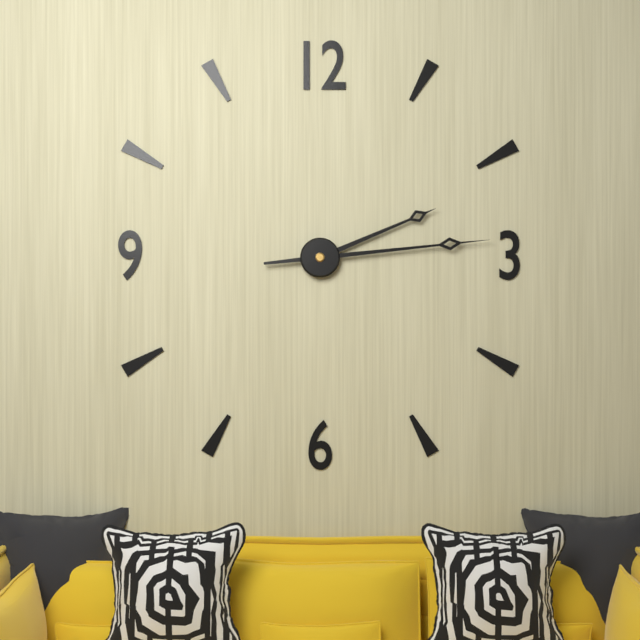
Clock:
2 h 14 min
